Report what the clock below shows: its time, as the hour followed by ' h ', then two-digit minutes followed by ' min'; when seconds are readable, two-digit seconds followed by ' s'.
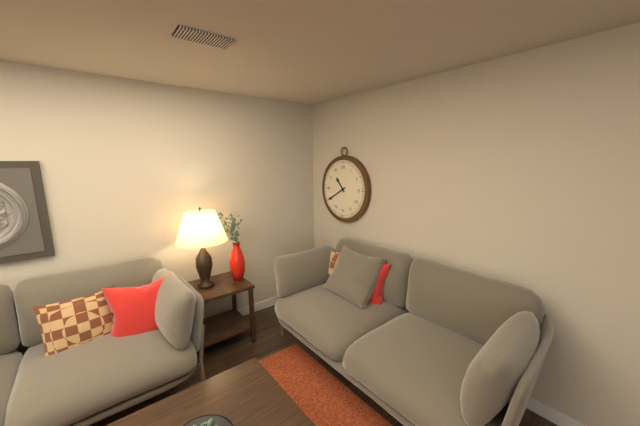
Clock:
10 h 40 min
